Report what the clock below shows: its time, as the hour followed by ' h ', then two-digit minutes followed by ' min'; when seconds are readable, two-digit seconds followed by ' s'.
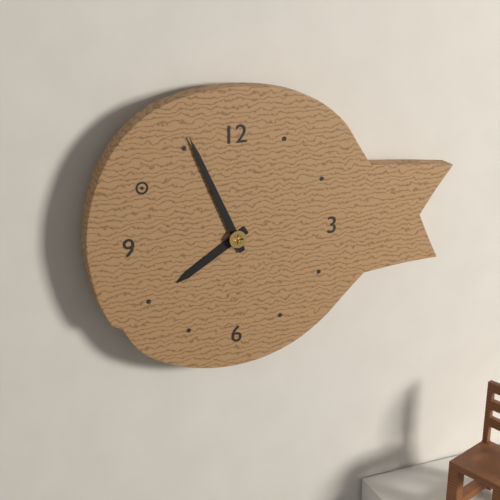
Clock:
7 h 56 min
